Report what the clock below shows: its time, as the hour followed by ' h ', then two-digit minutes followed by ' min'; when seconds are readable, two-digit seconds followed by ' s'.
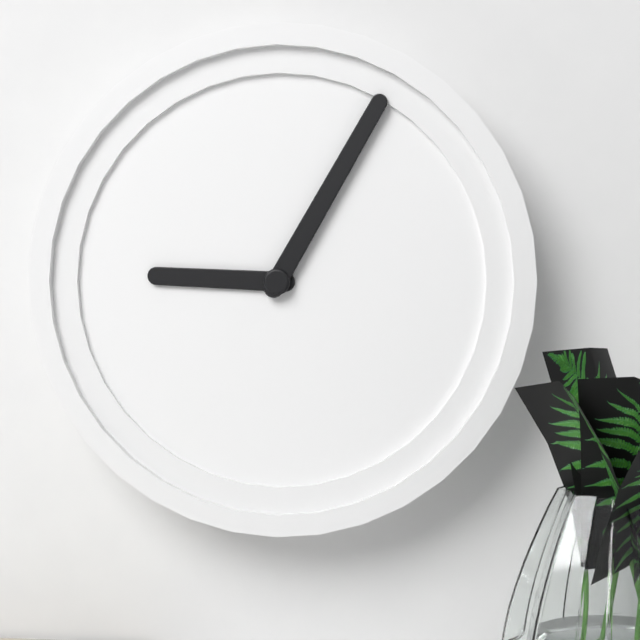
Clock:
9 h 05 min
